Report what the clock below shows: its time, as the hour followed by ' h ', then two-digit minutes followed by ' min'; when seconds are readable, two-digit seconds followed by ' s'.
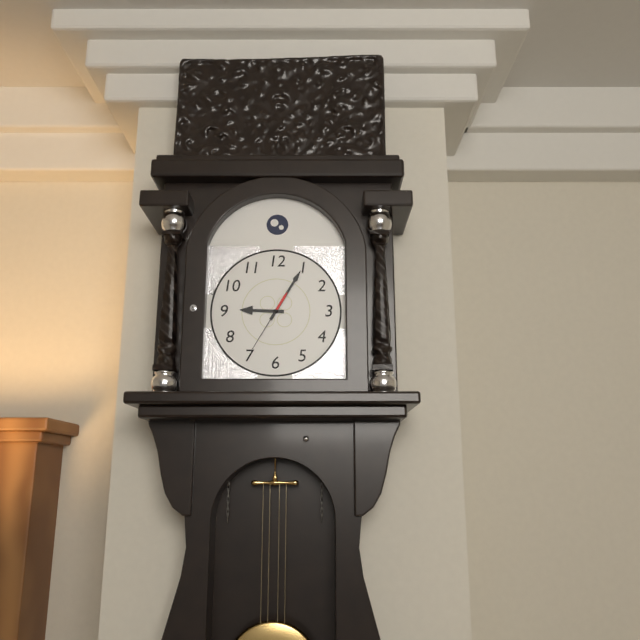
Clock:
9 h 05 min
